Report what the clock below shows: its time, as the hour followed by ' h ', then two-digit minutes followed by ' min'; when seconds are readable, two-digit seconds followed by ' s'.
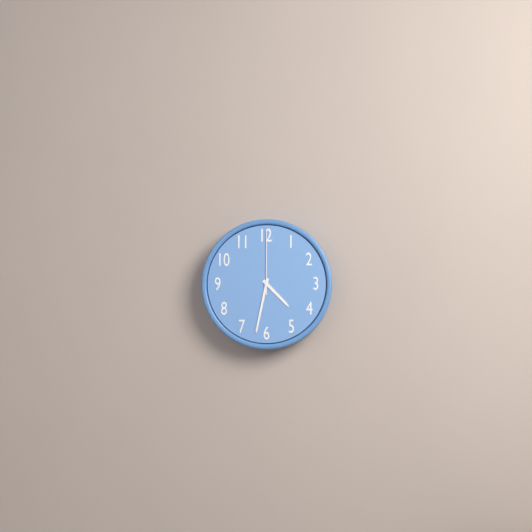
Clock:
4 h 32 min 00 s
